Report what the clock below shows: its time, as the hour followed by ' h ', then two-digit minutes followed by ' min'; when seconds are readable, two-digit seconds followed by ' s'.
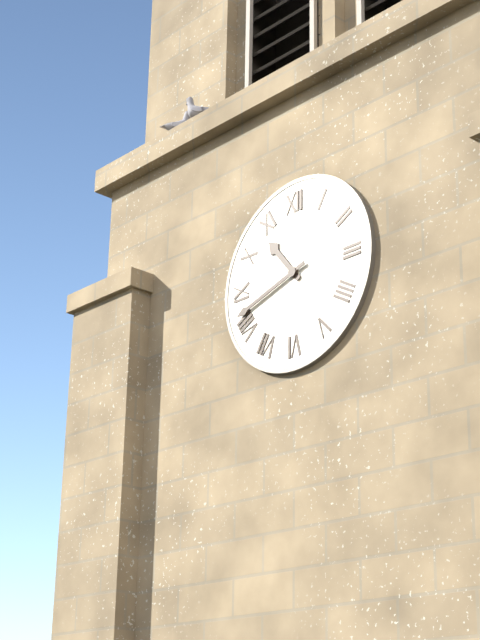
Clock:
10 h 42 min
